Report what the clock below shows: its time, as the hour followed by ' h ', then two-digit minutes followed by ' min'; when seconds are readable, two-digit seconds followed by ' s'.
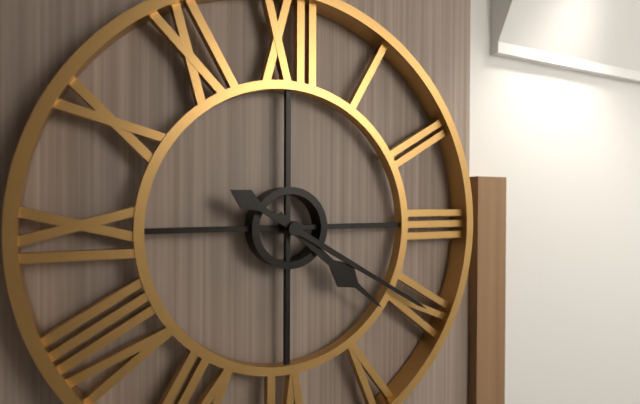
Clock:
4 h 20 min
